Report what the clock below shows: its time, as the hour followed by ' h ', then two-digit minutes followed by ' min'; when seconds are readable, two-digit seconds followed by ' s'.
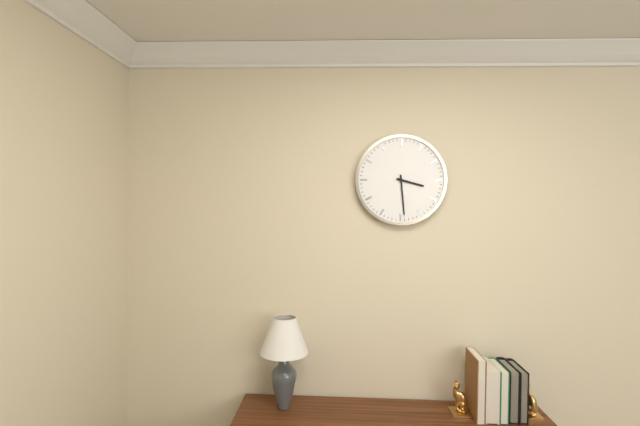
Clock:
3 h 29 min
